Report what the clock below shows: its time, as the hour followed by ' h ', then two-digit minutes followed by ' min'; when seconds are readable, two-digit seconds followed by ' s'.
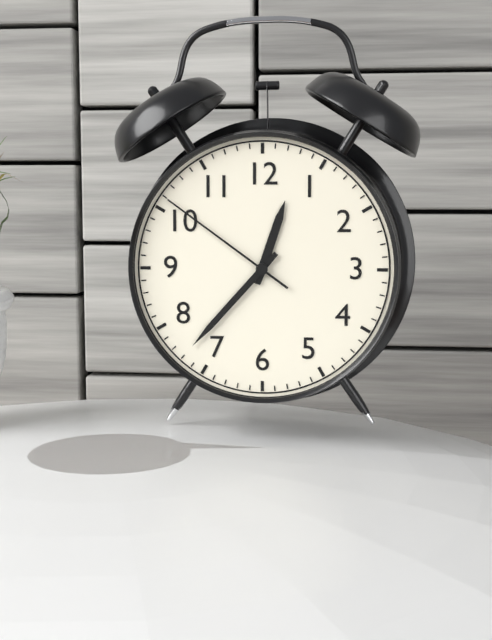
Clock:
12 h 37 min 51 s
